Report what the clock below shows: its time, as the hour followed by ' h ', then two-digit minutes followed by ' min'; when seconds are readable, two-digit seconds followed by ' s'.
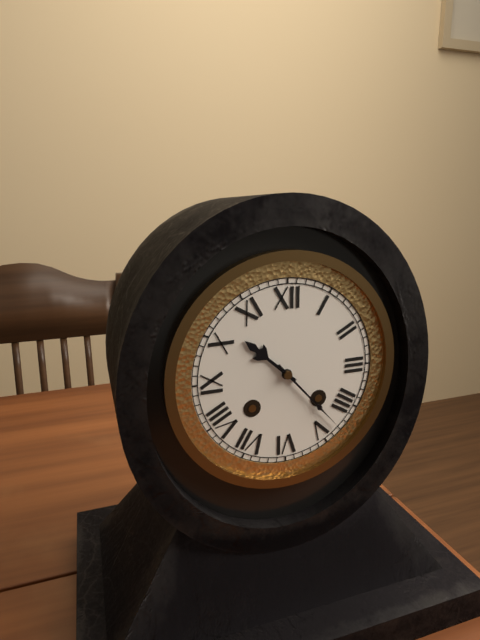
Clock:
10 h 23 min
